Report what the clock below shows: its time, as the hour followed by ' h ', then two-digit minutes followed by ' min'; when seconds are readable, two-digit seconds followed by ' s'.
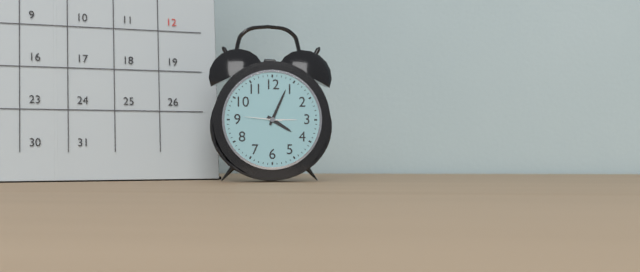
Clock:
4 h 04 min
